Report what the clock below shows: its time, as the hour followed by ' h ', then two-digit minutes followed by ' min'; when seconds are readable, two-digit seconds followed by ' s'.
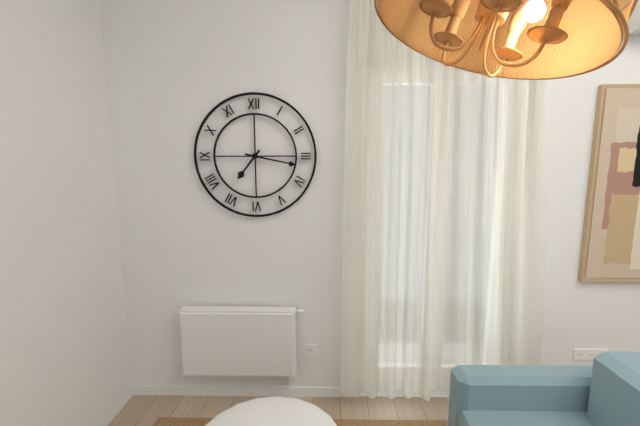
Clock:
7 h 17 min
